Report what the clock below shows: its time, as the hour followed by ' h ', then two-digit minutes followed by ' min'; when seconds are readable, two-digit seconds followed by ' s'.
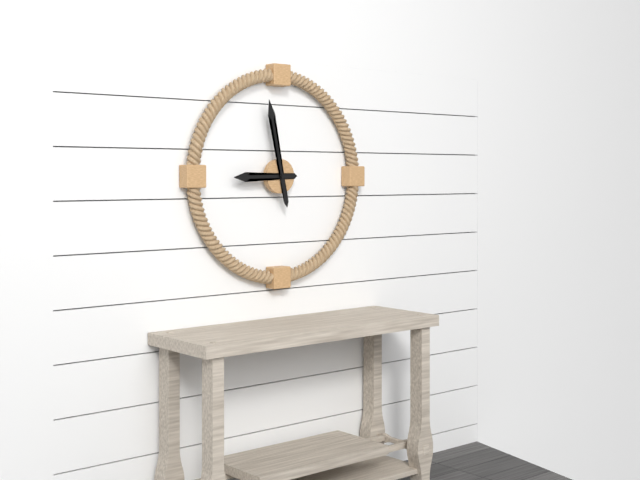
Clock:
8 h 58 min
